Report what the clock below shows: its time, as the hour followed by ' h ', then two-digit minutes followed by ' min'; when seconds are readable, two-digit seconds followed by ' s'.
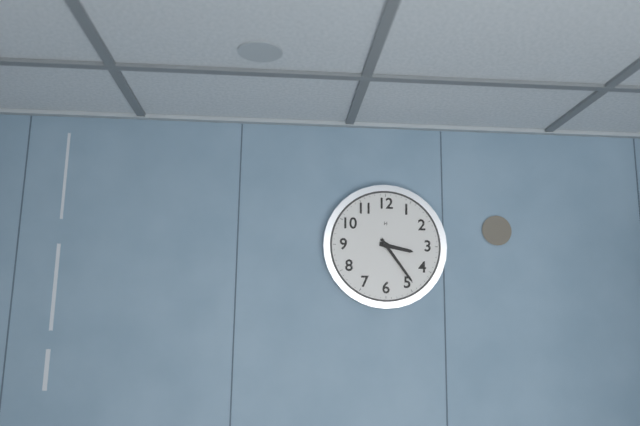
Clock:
3 h 24 min
